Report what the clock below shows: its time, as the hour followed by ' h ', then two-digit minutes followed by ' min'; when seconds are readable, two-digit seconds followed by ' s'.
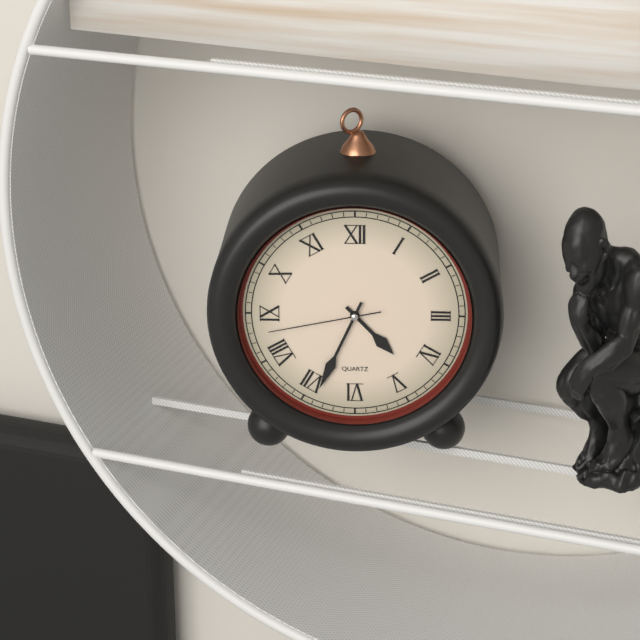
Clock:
4 h 34 min 43 s
